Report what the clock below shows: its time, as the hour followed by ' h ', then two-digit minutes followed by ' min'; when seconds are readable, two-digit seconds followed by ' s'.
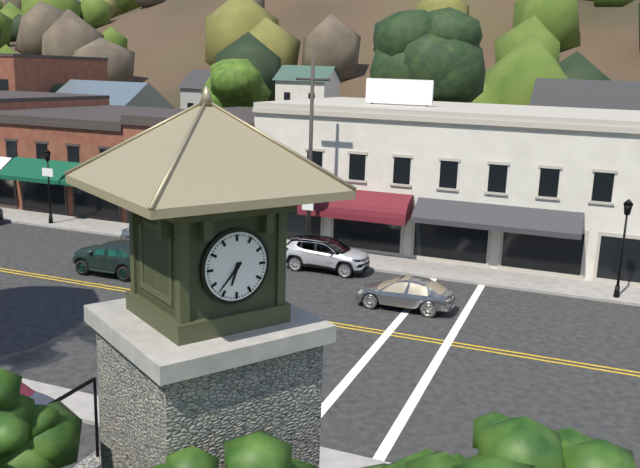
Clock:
6 h 37 min
